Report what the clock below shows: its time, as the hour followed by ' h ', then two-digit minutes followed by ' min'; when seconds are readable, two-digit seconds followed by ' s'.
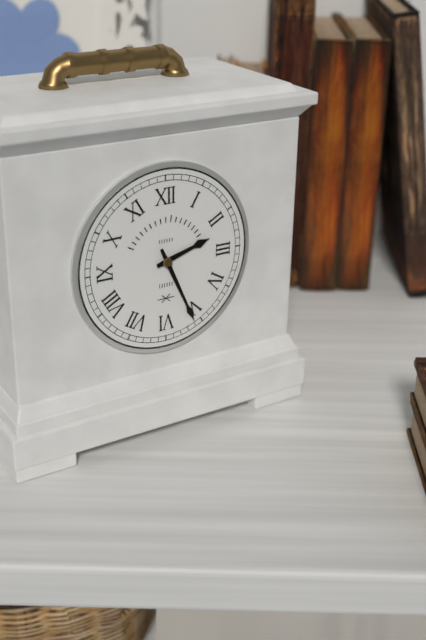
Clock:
2 h 26 min
